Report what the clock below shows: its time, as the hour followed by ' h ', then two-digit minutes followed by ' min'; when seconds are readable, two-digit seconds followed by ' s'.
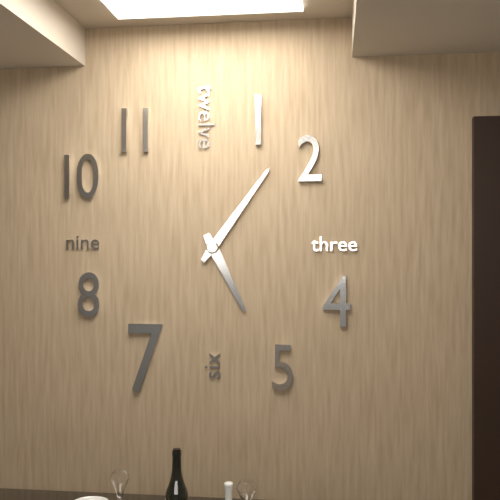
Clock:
5 h 06 min
